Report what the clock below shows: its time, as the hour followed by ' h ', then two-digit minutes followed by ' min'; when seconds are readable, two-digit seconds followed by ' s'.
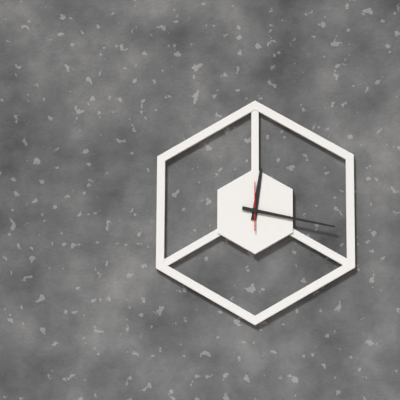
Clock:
12 h 17 min
